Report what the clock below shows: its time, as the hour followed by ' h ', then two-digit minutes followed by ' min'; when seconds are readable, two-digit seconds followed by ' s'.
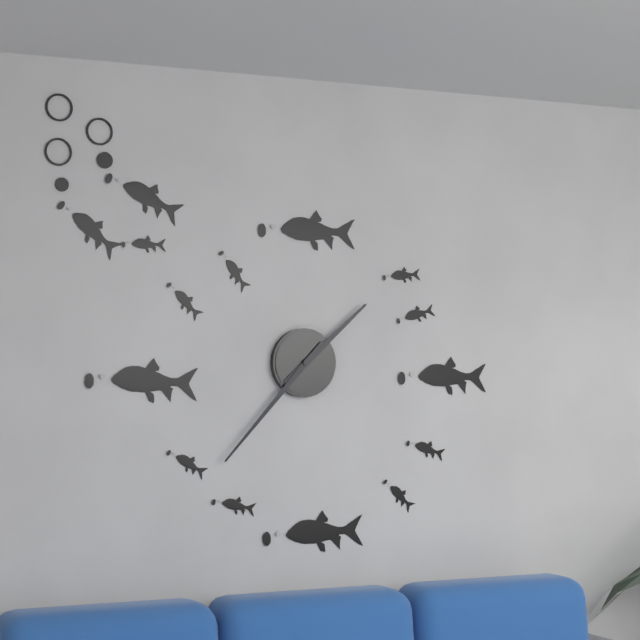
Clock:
1 h 37 min
